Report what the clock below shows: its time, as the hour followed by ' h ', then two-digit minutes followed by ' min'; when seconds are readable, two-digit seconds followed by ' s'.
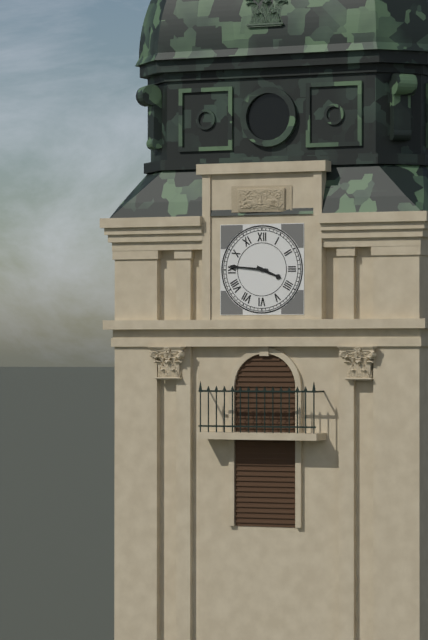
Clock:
3 h 46 min
